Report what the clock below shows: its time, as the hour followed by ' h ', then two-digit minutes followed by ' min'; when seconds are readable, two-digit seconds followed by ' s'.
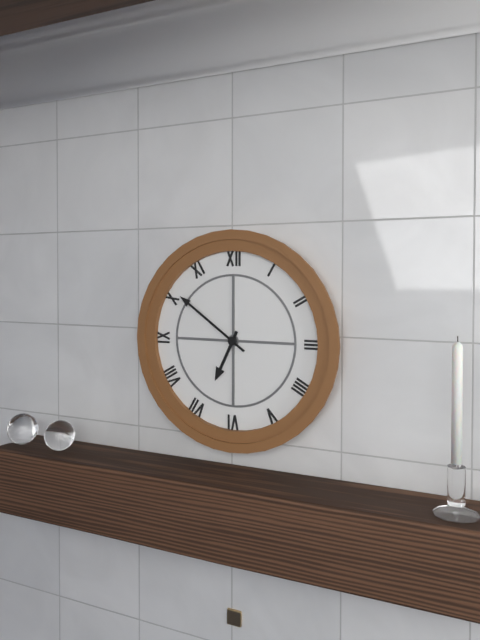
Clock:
6 h 51 min
